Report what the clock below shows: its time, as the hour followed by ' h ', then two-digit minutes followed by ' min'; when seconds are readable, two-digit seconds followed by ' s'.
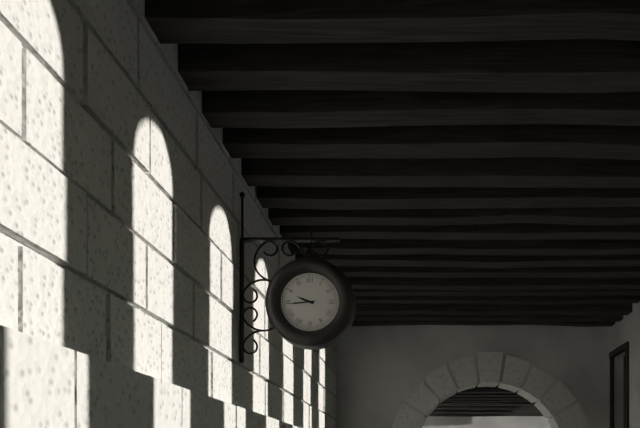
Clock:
9 h 44 min
